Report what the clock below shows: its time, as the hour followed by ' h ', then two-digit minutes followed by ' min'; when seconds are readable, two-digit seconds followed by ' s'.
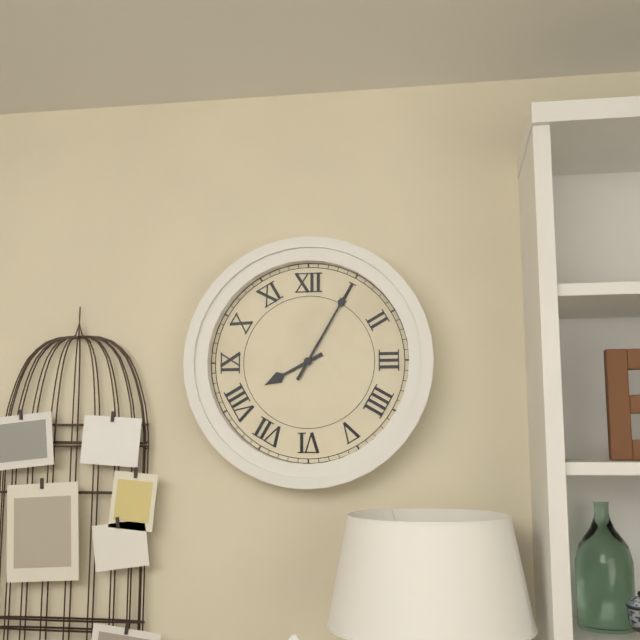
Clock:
8 h 05 min
